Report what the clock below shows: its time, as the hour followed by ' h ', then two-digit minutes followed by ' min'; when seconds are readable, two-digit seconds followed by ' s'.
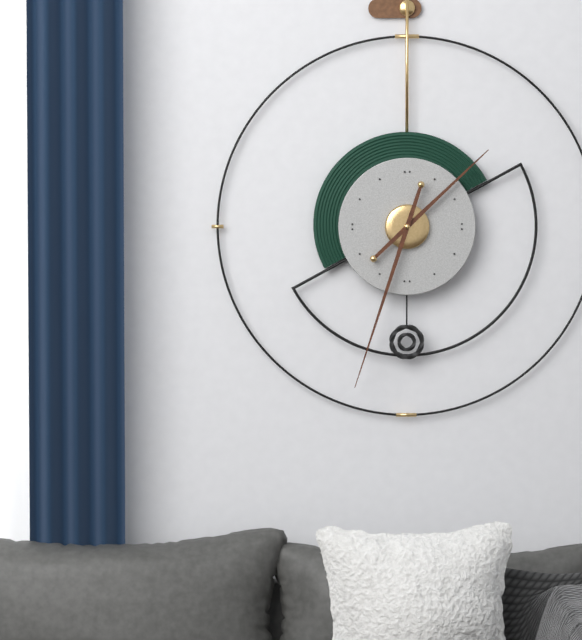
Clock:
1 h 33 min
